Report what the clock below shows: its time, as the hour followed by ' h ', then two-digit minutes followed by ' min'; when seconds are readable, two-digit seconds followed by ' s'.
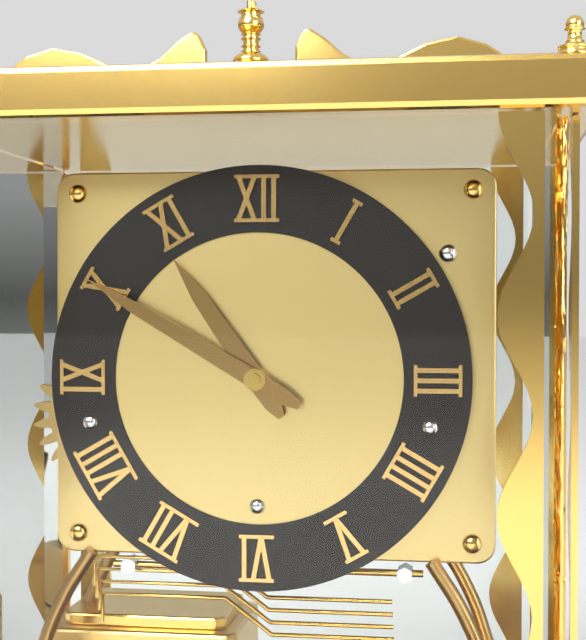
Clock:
10 h 50 min
